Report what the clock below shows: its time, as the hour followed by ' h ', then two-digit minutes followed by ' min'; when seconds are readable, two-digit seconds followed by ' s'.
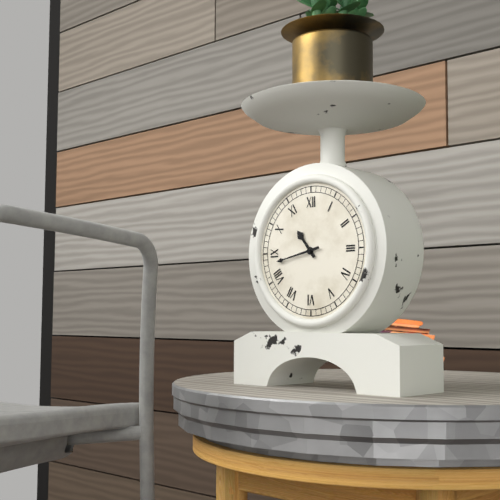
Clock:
10 h 43 min
